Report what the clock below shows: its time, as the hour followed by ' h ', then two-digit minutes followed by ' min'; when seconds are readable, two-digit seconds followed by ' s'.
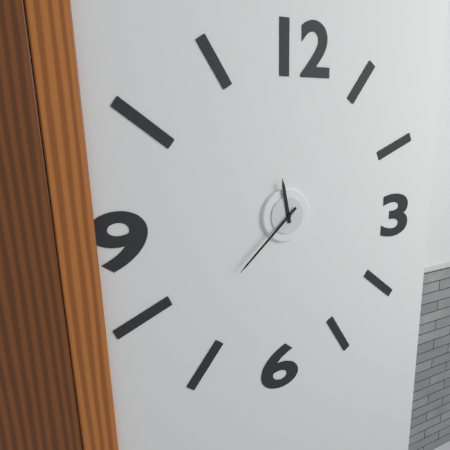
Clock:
11 h 38 min
